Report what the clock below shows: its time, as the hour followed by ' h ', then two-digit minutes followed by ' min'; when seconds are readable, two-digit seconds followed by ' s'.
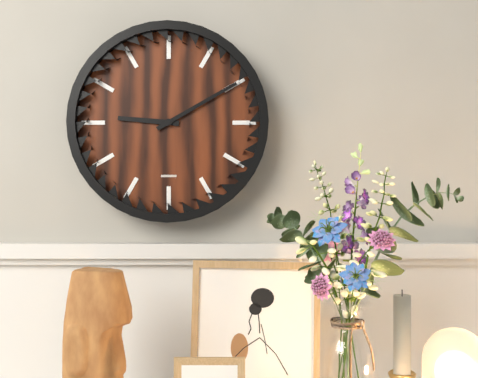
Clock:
9 h 10 min
